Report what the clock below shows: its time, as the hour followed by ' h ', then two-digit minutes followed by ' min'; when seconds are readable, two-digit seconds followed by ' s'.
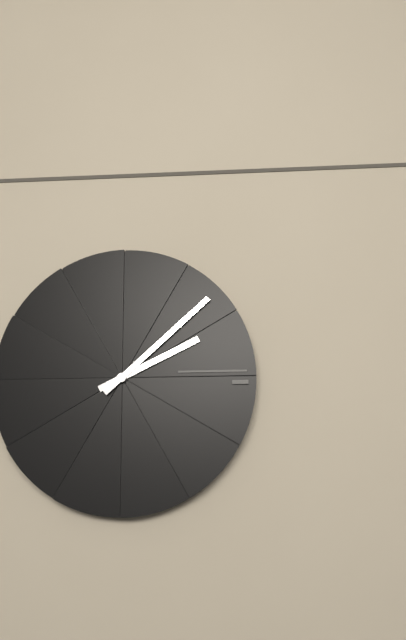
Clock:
2 h 08 min
